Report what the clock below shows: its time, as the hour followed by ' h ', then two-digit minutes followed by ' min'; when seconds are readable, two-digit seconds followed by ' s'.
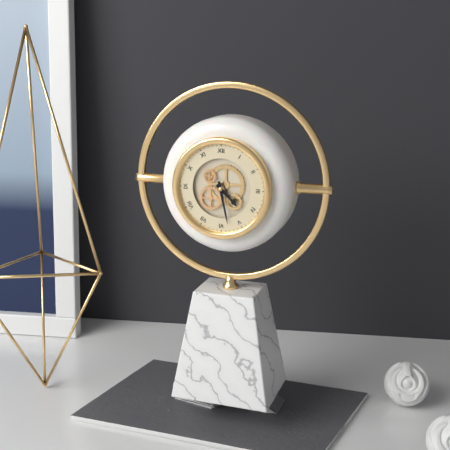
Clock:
4 h 28 min
